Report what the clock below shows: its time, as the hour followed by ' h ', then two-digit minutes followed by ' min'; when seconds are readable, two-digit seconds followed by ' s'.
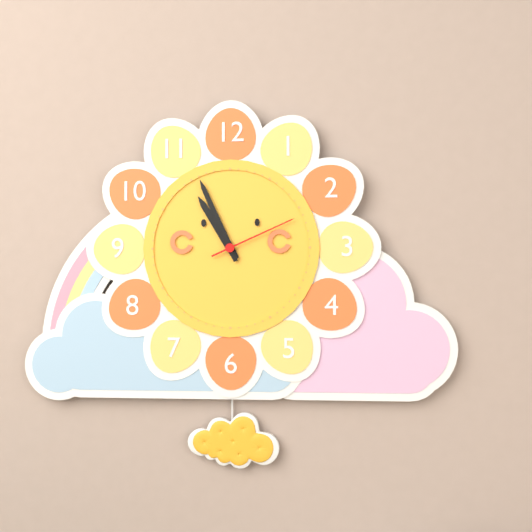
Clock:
10 h 56 min 11 s
